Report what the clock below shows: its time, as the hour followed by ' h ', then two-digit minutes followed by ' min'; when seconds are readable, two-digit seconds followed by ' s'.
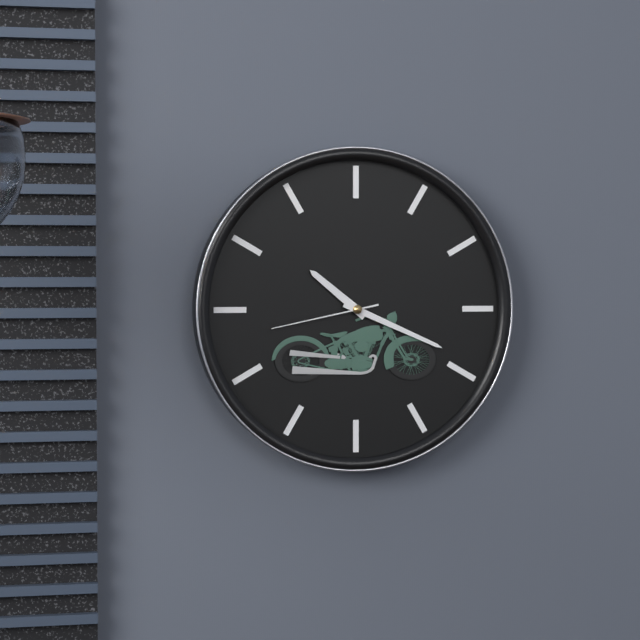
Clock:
10 h 19 min 43 s
